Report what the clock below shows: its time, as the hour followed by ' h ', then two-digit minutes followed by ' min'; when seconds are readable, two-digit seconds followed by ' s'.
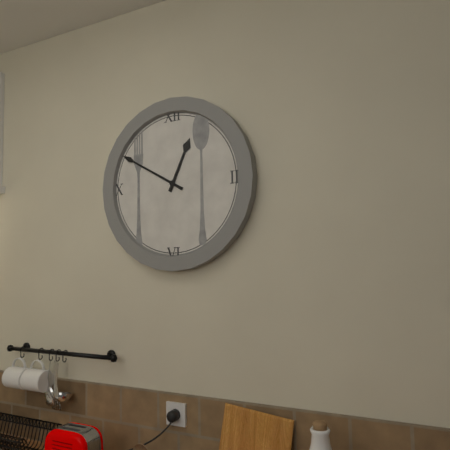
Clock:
12 h 50 min
